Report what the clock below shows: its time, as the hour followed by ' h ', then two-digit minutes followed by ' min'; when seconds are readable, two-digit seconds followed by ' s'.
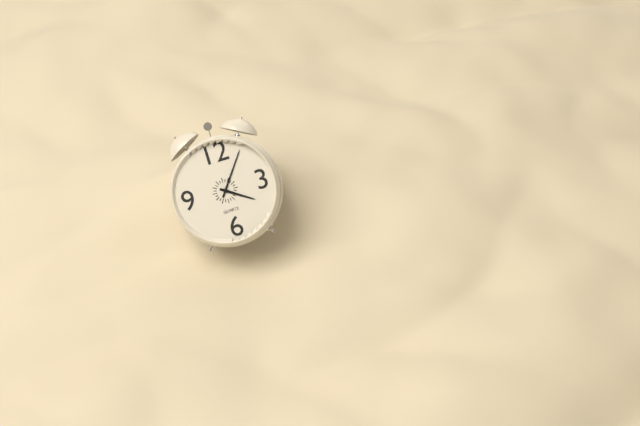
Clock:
4 h 06 min
